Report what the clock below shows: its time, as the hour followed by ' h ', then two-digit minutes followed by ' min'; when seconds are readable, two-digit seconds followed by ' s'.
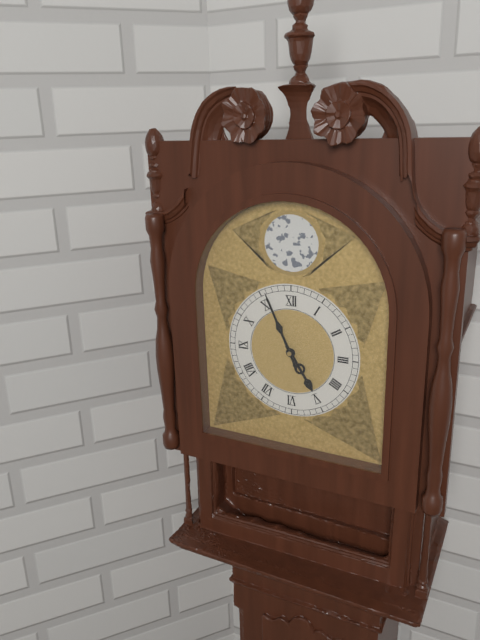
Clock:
4 h 56 min
